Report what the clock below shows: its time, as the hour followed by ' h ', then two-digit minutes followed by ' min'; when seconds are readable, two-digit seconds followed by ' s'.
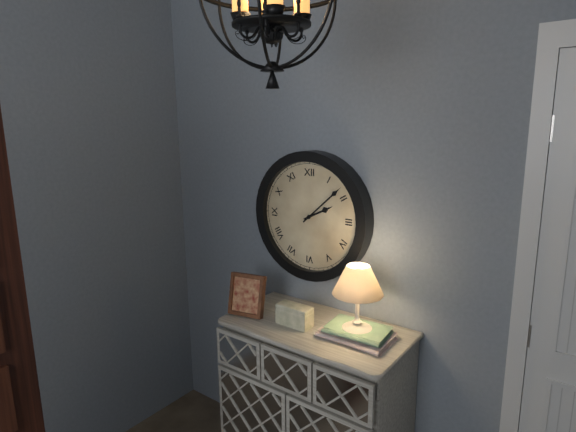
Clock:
2 h 08 min
